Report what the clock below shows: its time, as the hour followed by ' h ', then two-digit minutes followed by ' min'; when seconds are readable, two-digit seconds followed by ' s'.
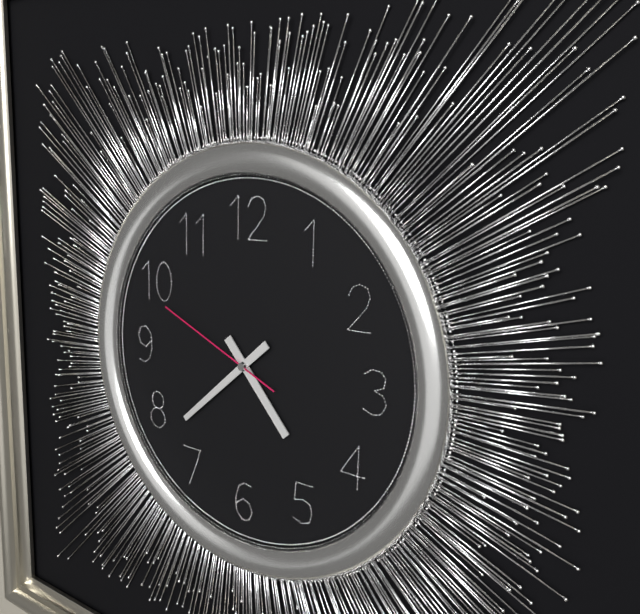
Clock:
4 h 38 min 49 s
